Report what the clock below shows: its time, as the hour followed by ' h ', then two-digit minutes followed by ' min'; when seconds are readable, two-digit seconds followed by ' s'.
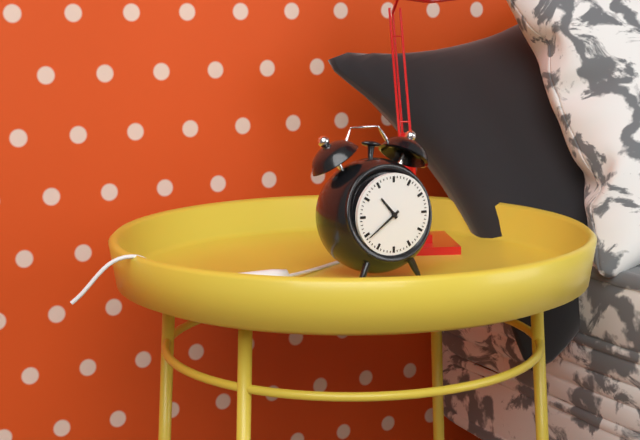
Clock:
10 h 39 min
